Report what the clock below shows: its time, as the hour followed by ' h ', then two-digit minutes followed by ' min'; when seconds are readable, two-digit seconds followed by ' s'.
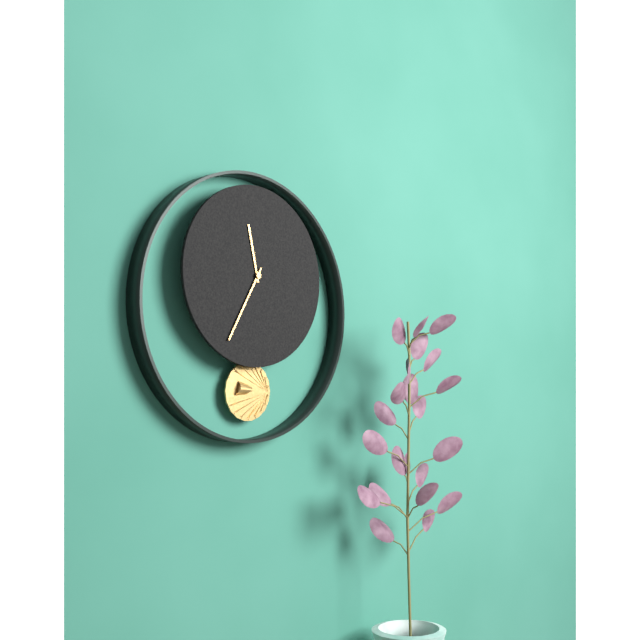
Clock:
11 h 35 min
